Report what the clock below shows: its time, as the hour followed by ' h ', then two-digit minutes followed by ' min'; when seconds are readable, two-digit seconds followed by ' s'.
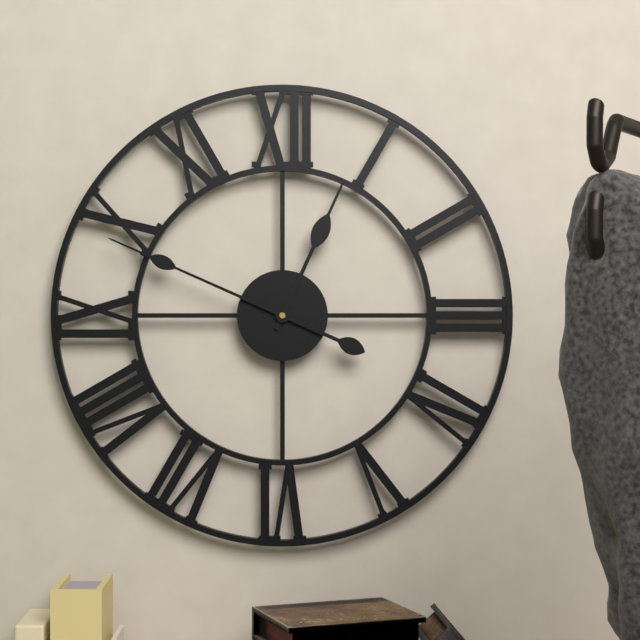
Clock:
12 h 49 min
